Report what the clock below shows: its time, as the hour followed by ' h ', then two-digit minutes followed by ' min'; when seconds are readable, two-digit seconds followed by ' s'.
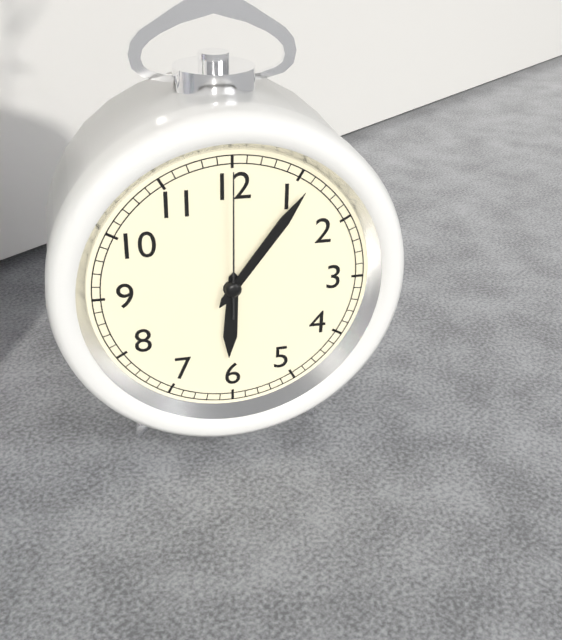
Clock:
6 h 06 min 00 s
